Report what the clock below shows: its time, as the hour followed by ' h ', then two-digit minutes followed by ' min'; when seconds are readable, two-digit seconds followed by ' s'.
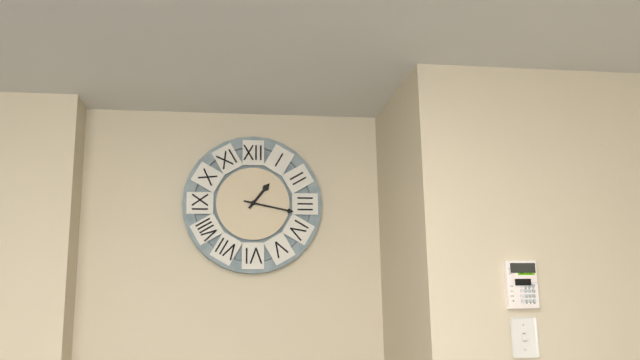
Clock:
1 h 17 min
